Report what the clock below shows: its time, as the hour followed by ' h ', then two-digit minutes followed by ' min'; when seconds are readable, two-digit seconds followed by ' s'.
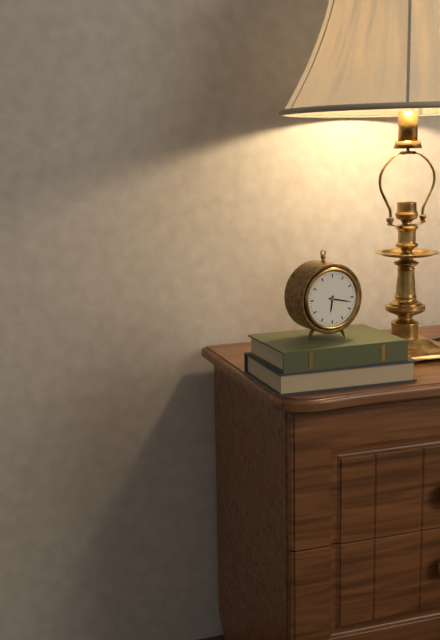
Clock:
6 h 17 min
